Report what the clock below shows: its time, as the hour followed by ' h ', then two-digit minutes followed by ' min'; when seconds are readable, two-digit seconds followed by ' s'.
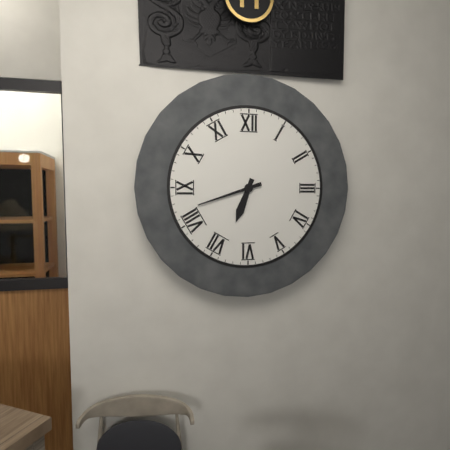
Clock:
6 h 42 min
